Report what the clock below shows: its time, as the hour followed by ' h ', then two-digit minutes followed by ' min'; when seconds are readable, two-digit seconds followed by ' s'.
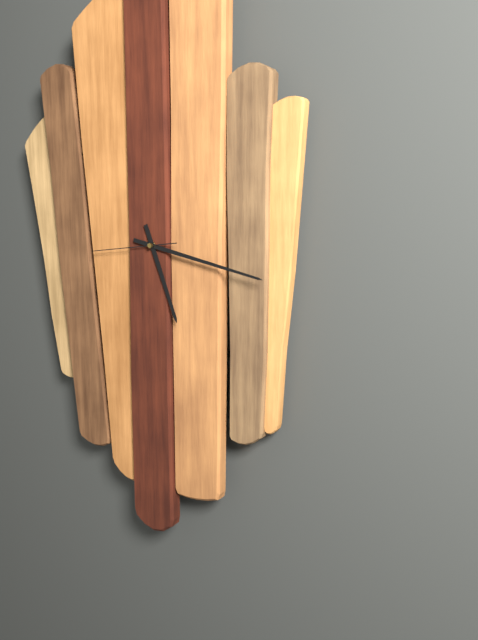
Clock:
5 h 17 min 44 s
